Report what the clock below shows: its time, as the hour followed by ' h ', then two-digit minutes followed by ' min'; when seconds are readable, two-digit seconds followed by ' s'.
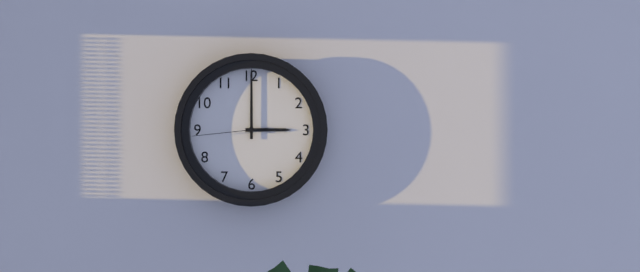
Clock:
3 h 00 min 44 s
